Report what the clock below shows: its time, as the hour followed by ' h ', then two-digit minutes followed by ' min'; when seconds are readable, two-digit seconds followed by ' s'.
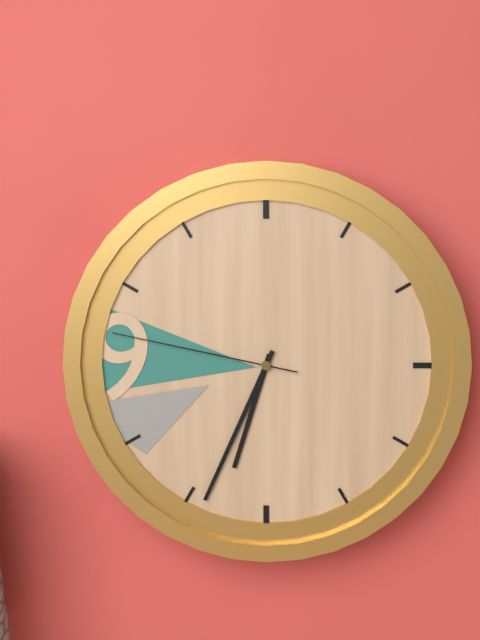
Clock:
6 h 34 min 47 s
